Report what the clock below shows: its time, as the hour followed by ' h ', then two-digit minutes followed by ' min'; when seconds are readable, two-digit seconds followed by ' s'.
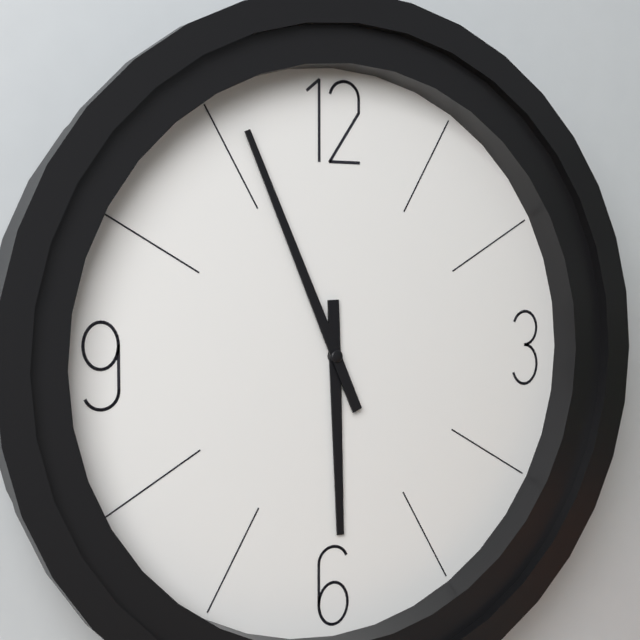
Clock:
5 h 56 min
